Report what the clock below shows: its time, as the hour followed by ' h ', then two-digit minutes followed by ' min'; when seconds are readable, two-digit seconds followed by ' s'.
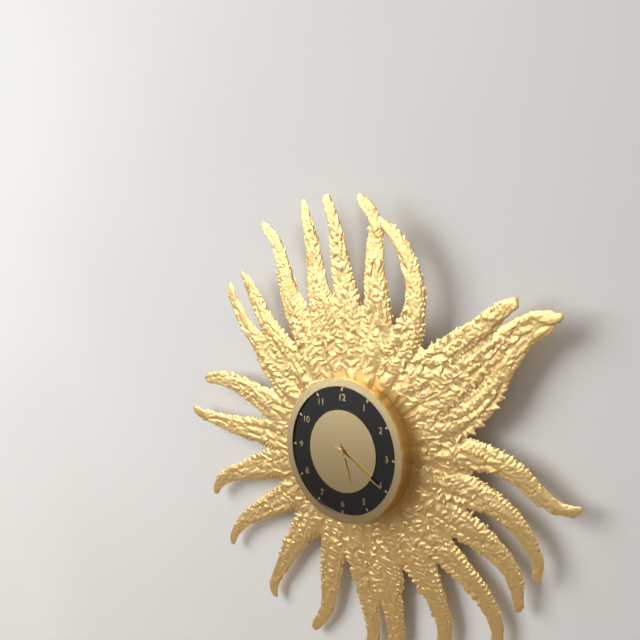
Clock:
5 h 20 min
